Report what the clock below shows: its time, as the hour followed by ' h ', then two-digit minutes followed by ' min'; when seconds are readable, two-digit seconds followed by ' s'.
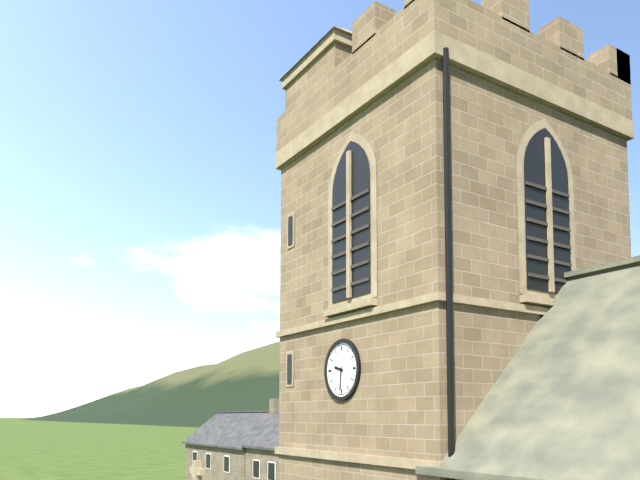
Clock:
9 h 31 min
